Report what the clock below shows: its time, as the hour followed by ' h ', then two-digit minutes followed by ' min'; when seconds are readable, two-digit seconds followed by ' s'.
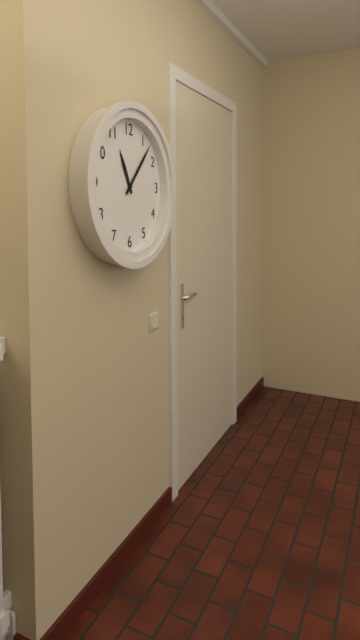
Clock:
11 h 07 min
